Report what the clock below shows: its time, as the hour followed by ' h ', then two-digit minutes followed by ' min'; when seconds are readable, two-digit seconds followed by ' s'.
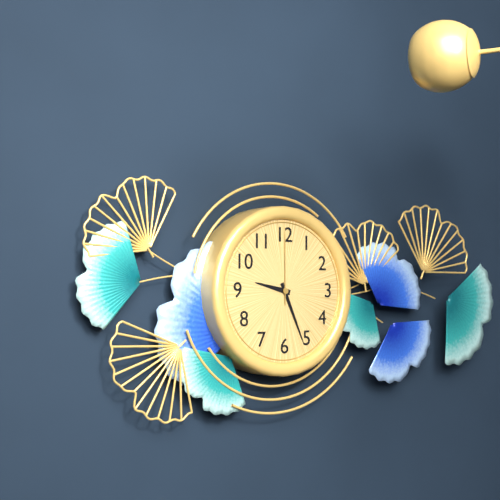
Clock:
9 h 26 min 00 s
